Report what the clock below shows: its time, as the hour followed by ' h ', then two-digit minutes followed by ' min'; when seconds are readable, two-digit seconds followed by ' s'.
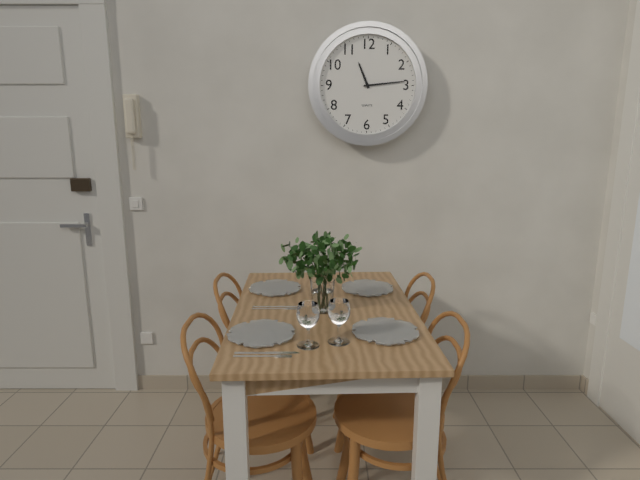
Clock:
11 h 14 min
